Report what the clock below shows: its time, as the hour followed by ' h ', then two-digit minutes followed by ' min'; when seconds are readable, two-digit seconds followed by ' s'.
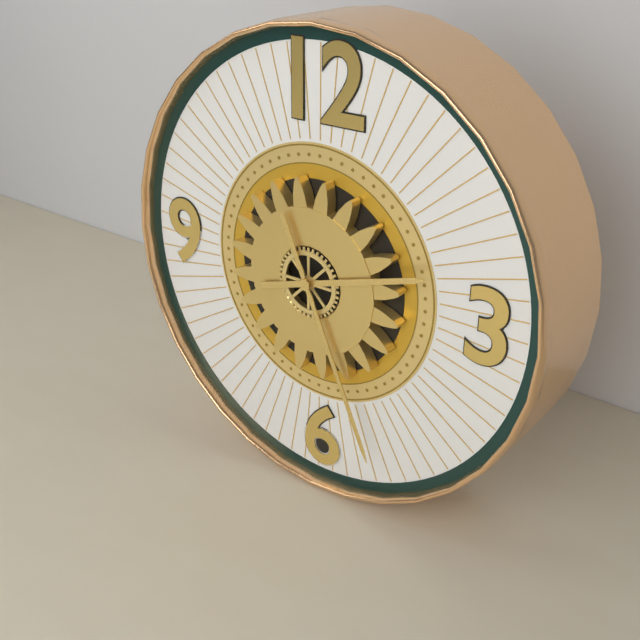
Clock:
2 h 26 min
